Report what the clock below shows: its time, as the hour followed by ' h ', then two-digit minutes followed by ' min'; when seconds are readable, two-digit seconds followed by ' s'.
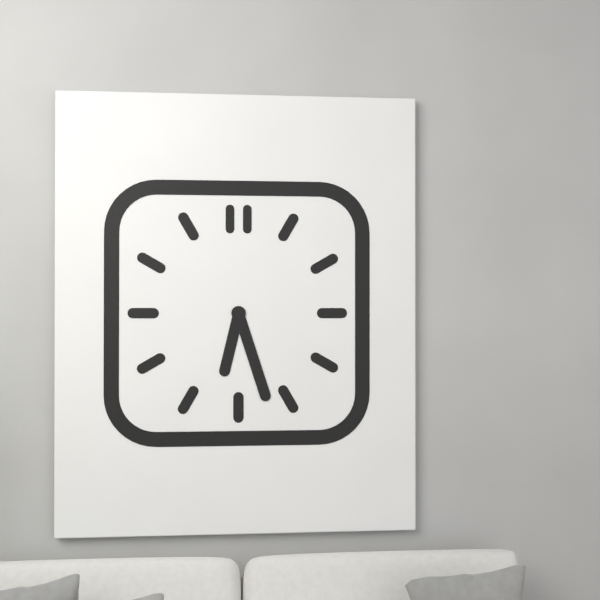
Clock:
6 h 27 min
